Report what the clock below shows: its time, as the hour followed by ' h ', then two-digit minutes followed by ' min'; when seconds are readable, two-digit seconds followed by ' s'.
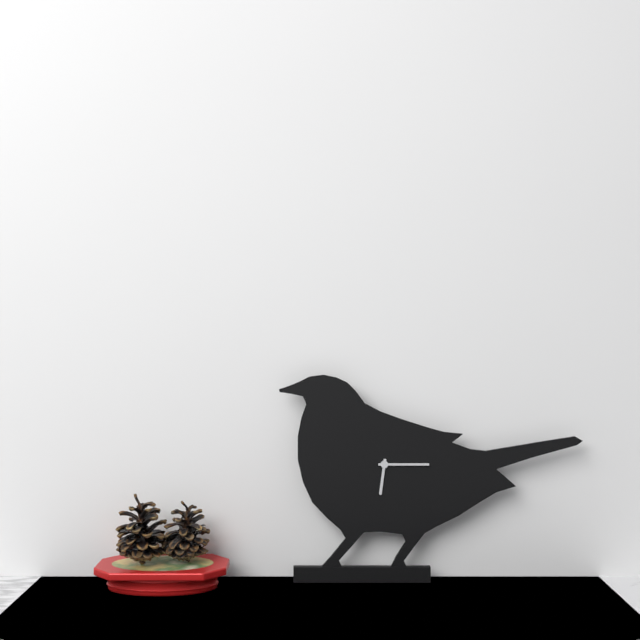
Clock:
6 h 15 min
